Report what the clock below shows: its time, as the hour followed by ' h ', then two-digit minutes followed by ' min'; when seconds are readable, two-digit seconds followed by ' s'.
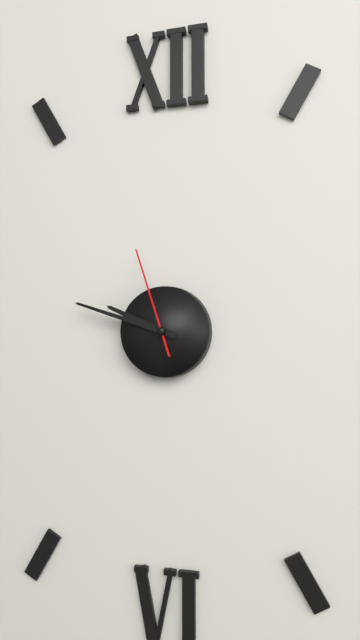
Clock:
9 h 48 min 57 s
